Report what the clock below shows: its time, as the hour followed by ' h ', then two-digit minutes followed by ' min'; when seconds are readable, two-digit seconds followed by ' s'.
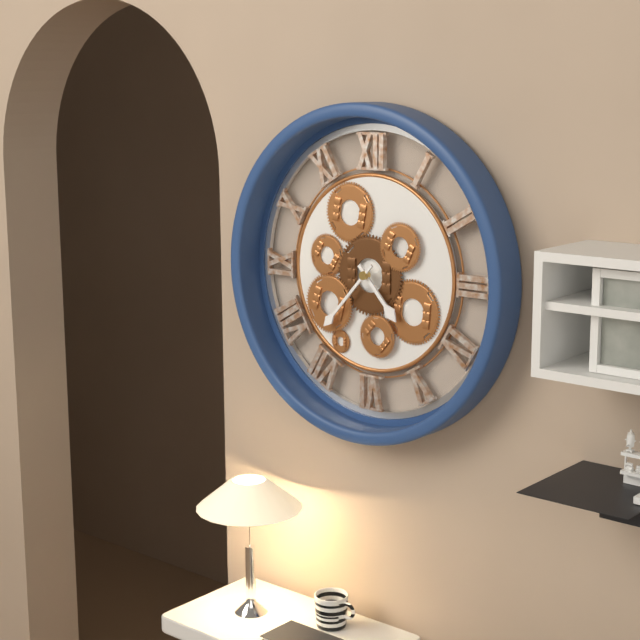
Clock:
4 h 37 min
